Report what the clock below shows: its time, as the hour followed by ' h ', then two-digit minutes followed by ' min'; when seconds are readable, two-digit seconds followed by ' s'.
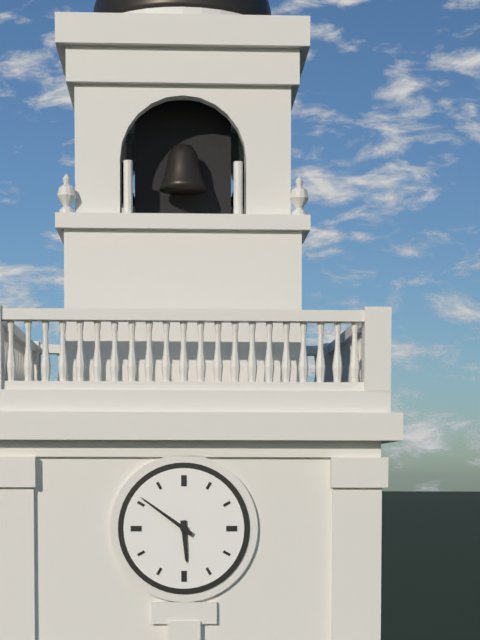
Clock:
5 h 51 min
